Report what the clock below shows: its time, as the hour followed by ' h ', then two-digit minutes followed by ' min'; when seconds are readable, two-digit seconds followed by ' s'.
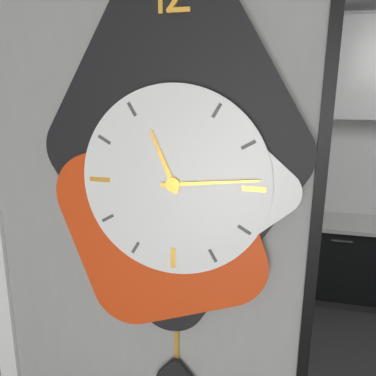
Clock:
11 h 14 min
